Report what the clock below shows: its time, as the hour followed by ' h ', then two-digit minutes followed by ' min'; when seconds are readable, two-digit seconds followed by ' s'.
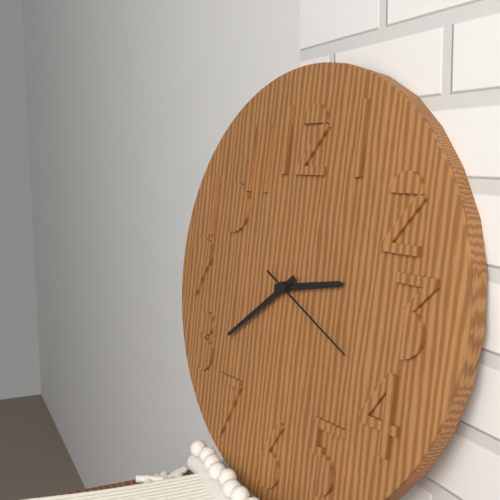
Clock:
2 h 39 min 19 s
